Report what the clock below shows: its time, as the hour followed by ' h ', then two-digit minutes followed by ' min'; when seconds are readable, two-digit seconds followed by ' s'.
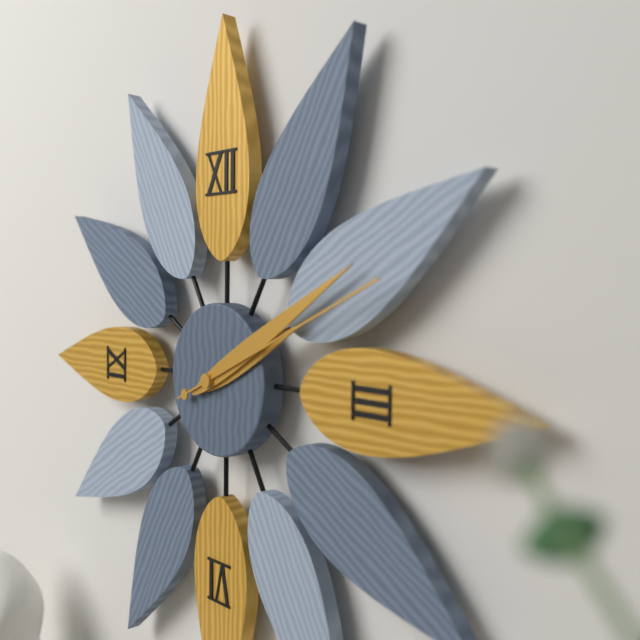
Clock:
2 h 10 min 11 s
